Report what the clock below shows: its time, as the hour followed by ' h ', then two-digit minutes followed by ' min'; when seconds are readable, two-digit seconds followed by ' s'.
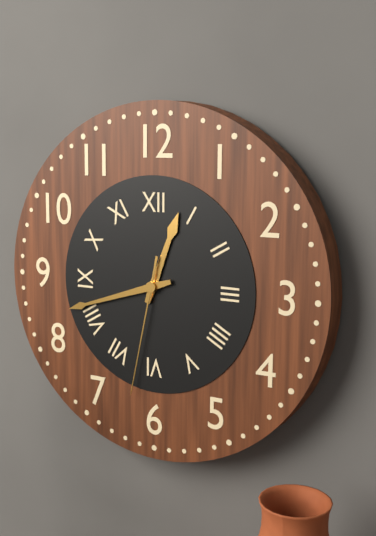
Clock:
12 h 42 min 32 s
